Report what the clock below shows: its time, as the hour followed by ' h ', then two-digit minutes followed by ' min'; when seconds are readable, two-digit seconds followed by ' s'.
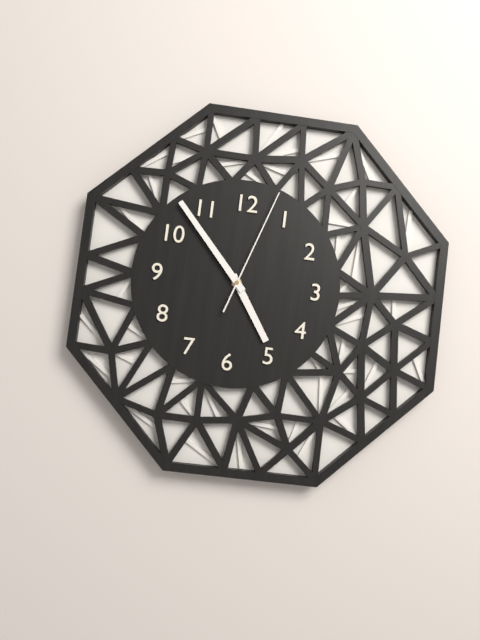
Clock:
4 h 53 min 03 s
